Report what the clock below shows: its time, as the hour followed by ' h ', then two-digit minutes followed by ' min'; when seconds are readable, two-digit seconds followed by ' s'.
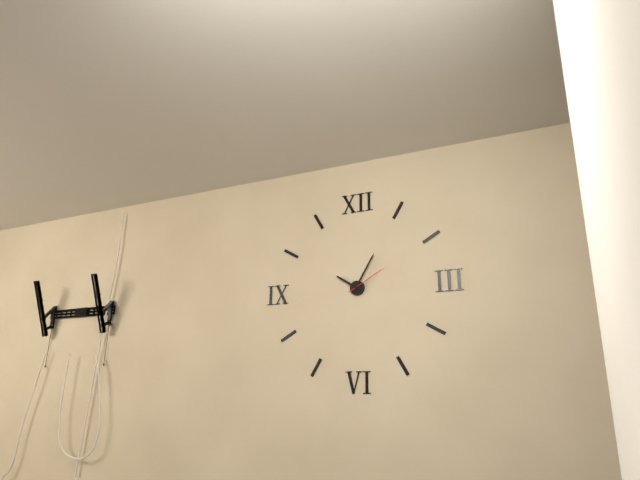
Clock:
10 h 05 min
